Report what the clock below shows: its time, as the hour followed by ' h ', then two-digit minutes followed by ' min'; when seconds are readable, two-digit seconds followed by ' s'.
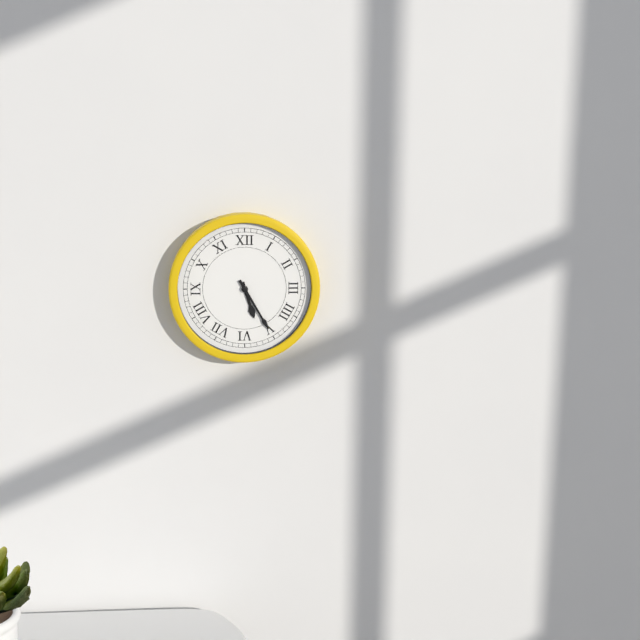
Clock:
5 h 25 min
